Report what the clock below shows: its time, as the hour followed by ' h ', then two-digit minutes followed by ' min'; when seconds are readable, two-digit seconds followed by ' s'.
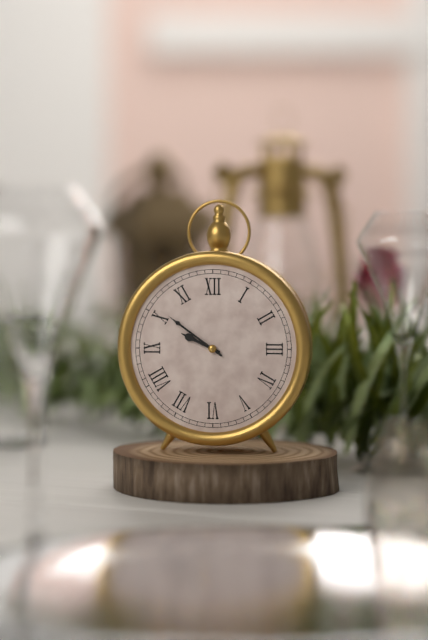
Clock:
9 h 51 min
